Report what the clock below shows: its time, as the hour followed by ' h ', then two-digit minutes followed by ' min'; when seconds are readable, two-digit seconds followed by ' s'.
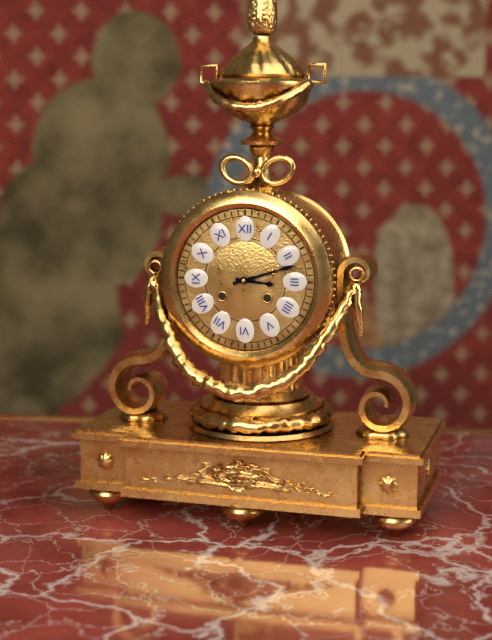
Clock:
3 h 12 min
